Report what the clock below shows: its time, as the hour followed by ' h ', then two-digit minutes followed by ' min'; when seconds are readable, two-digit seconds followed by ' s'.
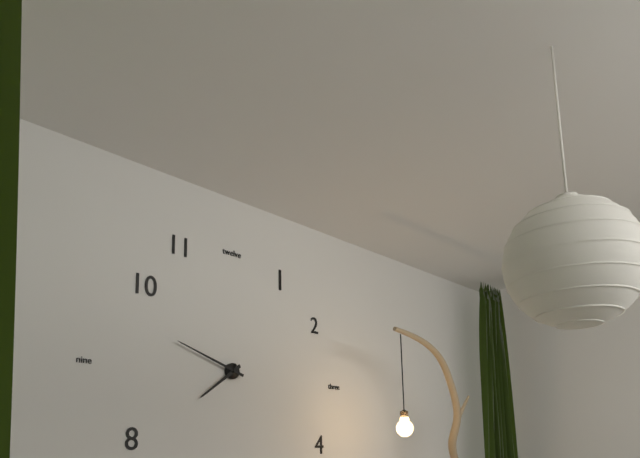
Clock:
7 h 48 min
